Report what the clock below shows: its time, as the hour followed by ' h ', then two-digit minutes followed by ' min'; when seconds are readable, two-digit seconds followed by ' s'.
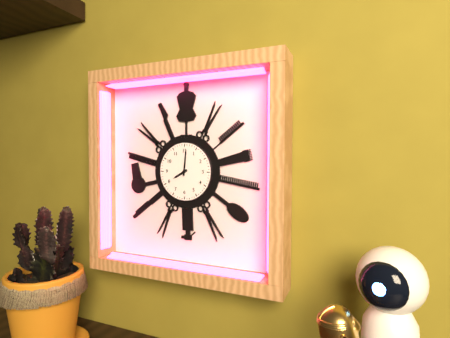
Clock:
8 h 01 min
